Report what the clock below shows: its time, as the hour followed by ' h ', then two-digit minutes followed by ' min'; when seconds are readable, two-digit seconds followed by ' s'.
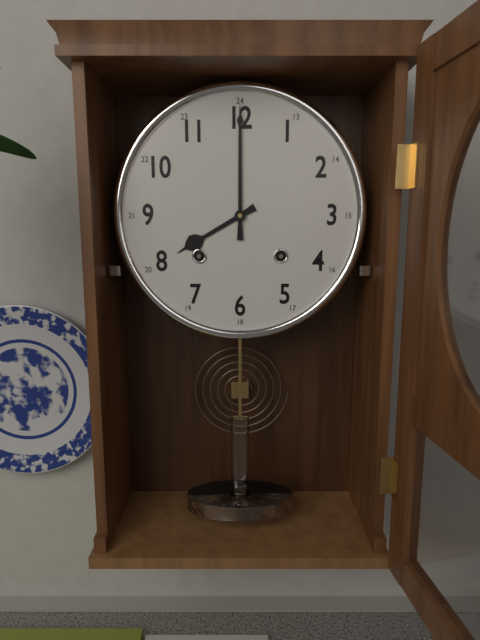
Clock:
8 h 00 min
